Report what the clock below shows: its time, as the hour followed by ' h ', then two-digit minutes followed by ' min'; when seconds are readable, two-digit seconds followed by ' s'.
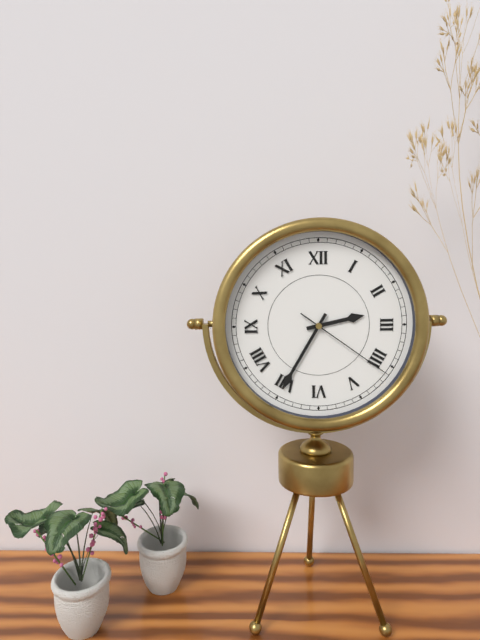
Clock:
2 h 35 min 21 s
